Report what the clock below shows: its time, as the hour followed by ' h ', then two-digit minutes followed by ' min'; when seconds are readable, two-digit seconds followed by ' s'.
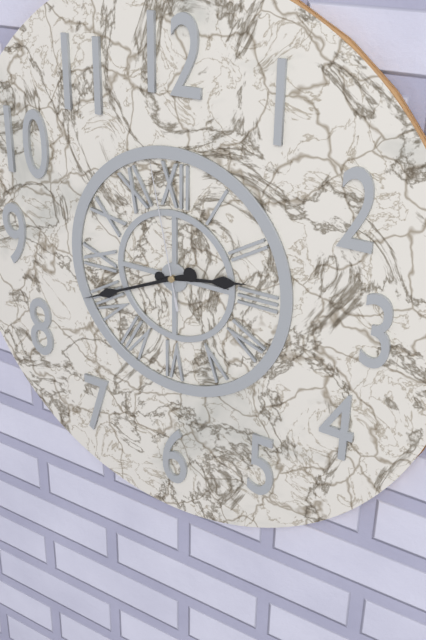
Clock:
2 h 41 min 58 s
